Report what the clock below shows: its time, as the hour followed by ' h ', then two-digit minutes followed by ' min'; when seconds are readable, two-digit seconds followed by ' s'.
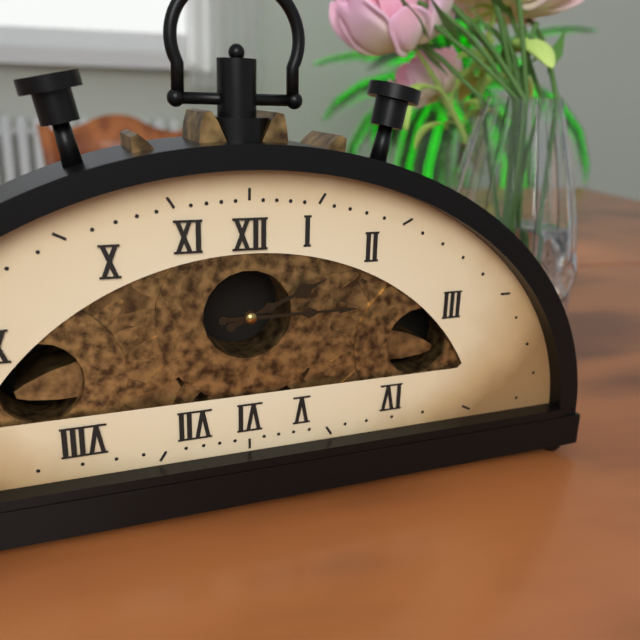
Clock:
2 h 15 min
